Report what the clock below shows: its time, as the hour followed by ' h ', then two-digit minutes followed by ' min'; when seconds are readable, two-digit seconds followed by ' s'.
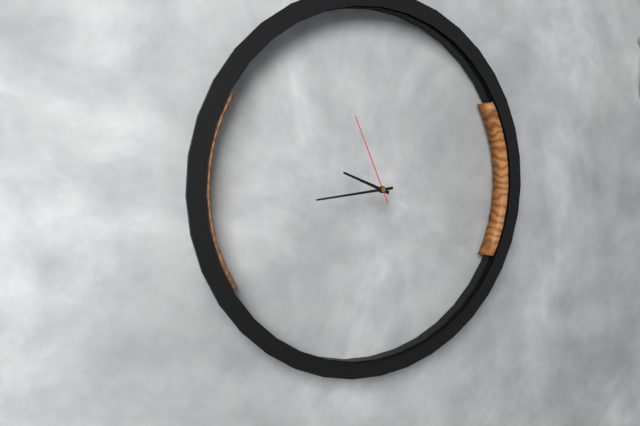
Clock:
9 h 44 min 56 s
